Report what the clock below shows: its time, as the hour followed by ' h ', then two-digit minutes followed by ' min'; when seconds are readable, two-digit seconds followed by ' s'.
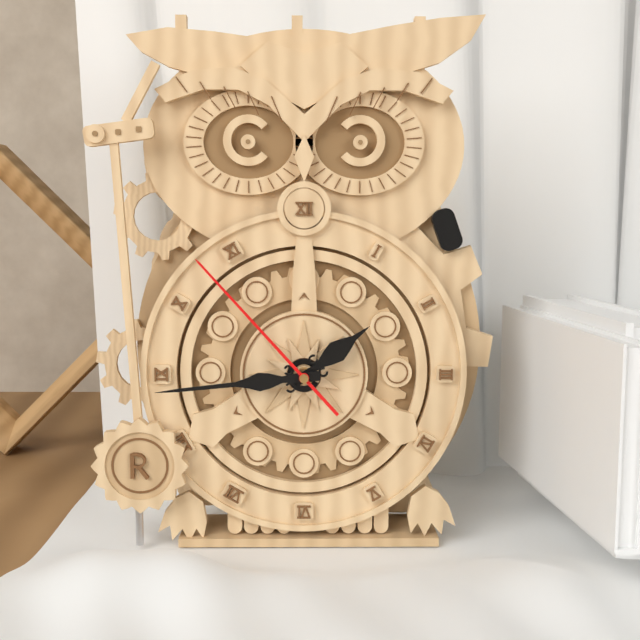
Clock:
1 h 44 min 53 s
